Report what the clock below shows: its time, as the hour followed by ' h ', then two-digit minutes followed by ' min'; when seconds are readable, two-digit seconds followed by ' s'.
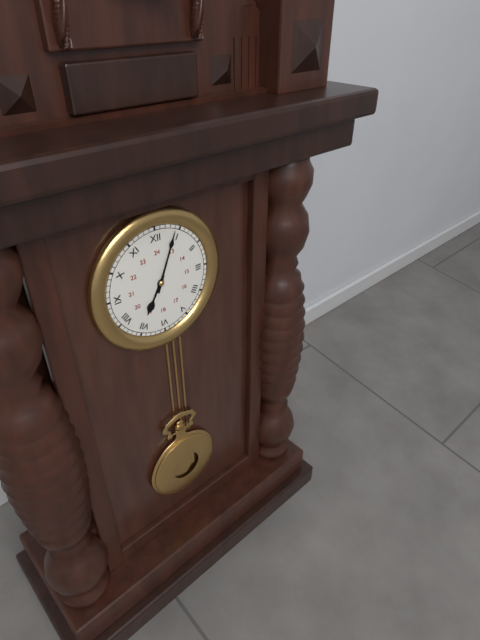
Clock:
7 h 04 min
